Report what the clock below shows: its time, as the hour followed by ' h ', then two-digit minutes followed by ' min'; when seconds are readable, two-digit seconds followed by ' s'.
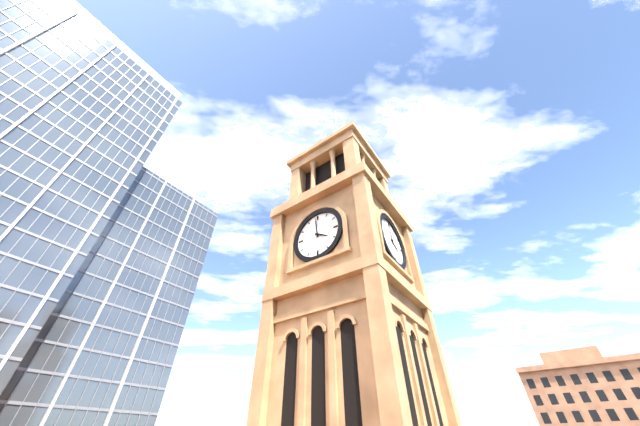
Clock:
3 h 59 min
